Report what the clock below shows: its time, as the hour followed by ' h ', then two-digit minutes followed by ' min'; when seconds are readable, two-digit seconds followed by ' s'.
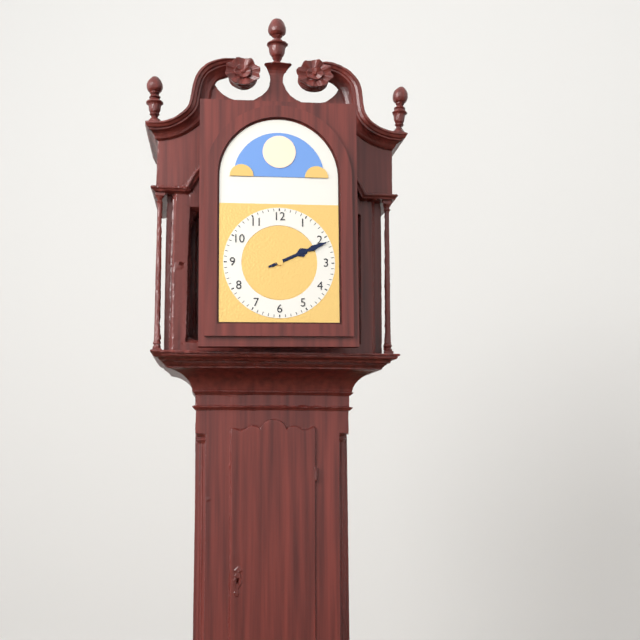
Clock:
2 h 11 min
